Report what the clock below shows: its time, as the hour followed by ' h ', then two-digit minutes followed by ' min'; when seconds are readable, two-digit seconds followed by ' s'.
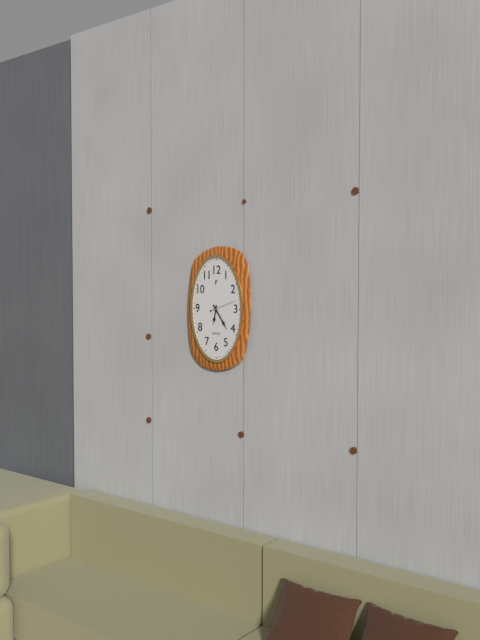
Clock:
6 h 24 min
